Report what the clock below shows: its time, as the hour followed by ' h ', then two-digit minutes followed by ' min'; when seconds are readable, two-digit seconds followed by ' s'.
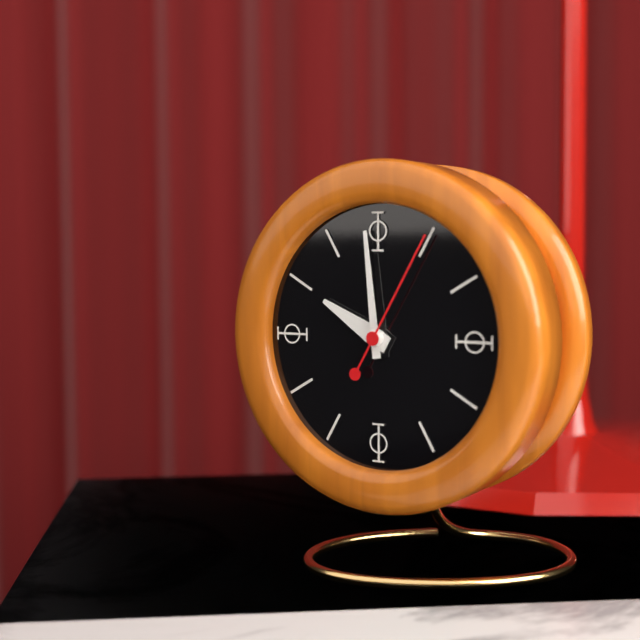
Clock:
9 h 59 min 05 s
